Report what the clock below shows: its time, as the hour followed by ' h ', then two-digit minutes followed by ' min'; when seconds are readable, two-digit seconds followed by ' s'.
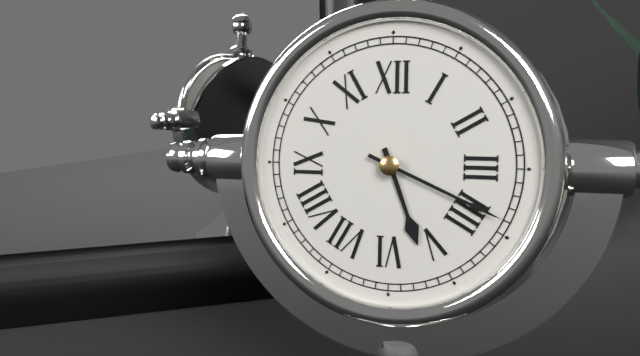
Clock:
5 h 19 min
